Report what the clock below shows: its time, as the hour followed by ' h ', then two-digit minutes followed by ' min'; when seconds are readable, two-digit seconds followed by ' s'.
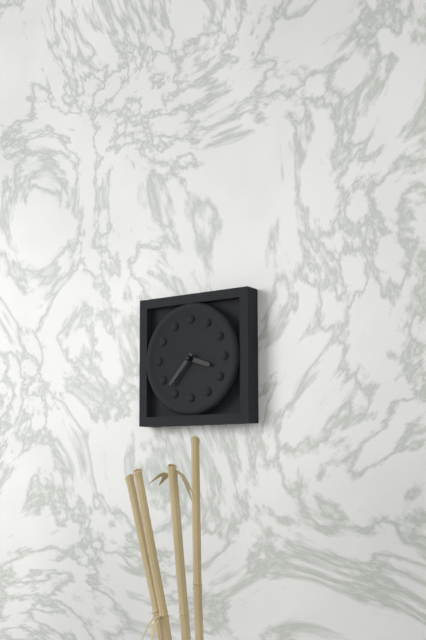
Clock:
3 h 37 min
